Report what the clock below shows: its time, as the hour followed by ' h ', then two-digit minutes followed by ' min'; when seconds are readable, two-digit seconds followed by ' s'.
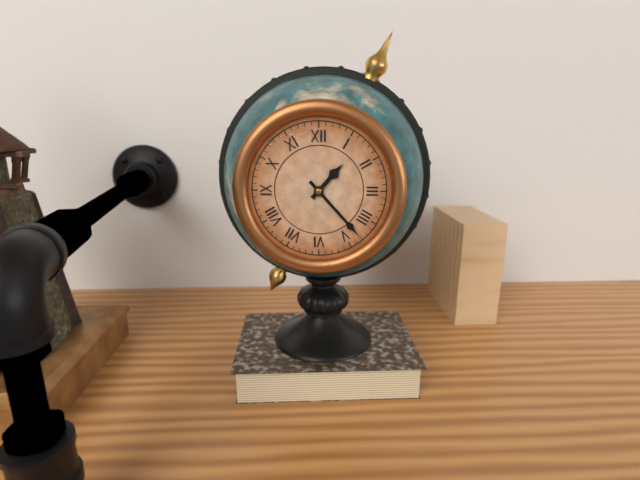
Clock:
1 h 23 min
